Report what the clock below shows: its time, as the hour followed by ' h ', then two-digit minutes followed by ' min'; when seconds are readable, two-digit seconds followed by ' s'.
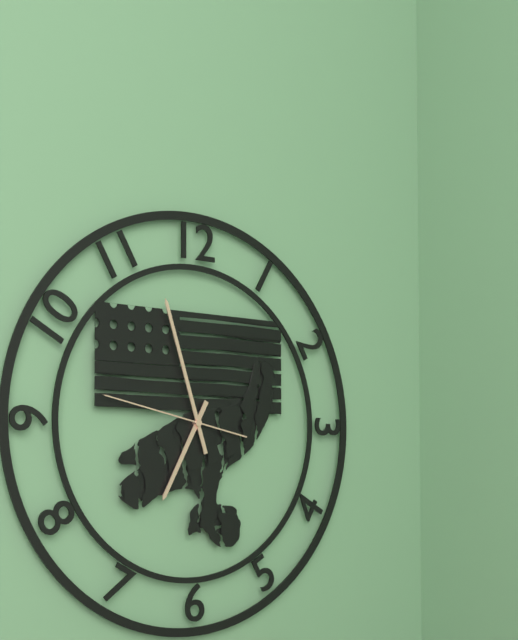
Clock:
6 h 57 min 47 s
